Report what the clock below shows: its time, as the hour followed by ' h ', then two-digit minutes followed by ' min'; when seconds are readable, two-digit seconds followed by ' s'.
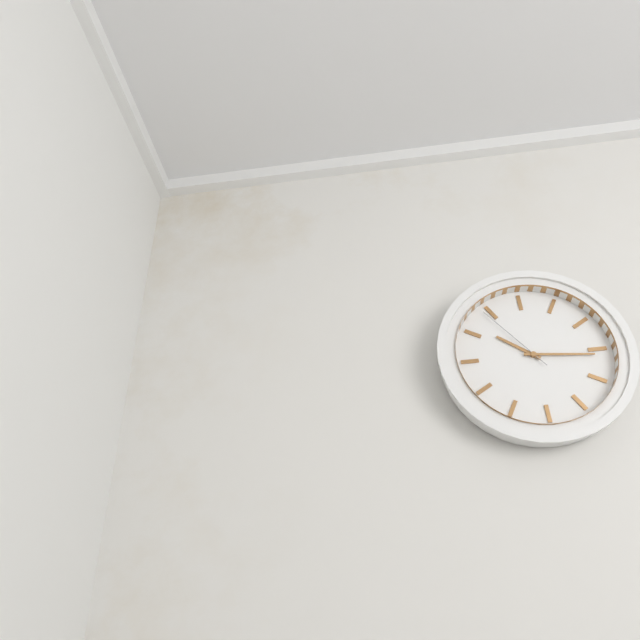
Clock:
10 h 16 min 54 s
